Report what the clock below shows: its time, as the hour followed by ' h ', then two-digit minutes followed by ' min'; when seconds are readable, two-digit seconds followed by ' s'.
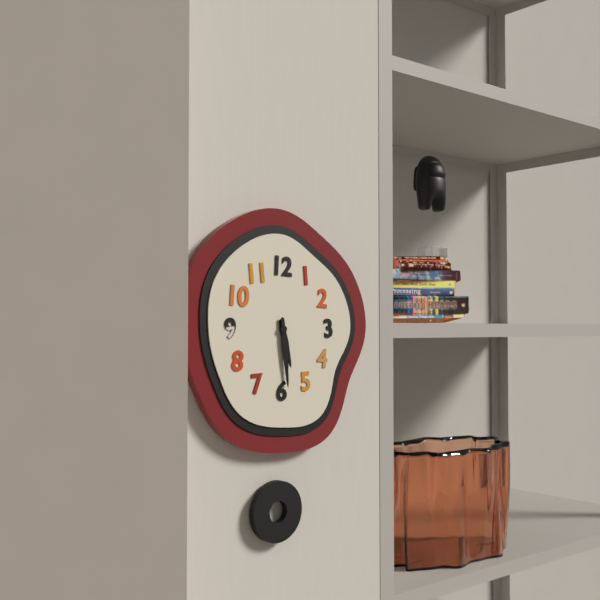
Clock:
5 h 29 min
